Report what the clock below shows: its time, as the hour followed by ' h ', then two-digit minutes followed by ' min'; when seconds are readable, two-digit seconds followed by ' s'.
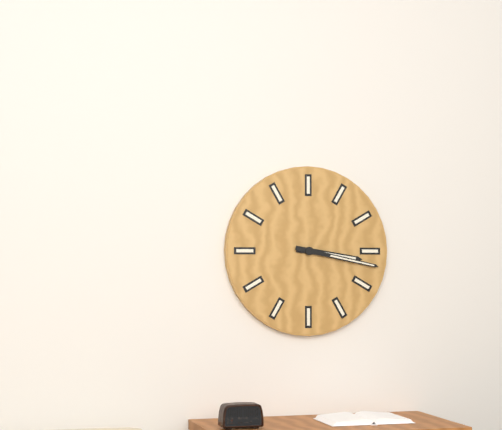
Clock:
3 h 17 min
